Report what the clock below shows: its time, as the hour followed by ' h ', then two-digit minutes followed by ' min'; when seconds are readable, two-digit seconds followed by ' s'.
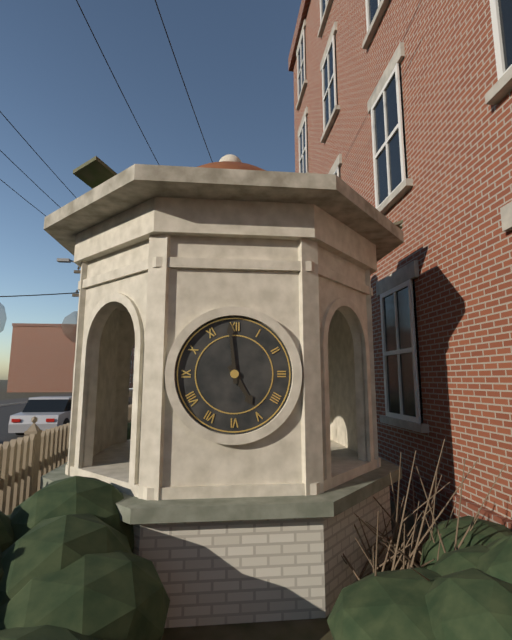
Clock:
4 h 59 min
